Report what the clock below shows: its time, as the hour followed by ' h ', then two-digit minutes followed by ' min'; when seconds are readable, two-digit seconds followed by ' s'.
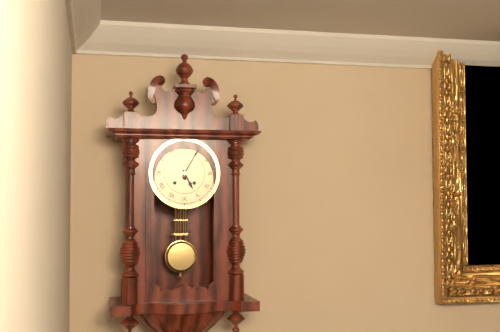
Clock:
5 h 05 min
